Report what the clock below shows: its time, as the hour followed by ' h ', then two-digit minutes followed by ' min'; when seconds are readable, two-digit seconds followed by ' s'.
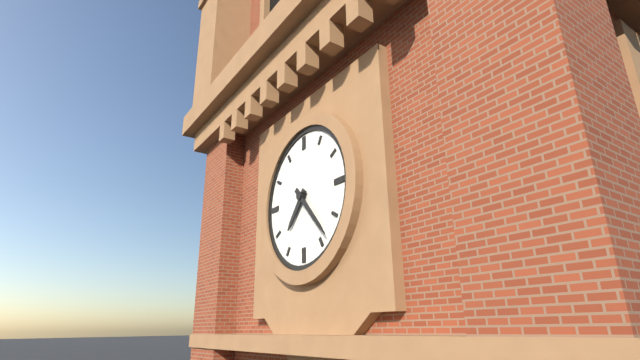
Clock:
7 h 23 min
